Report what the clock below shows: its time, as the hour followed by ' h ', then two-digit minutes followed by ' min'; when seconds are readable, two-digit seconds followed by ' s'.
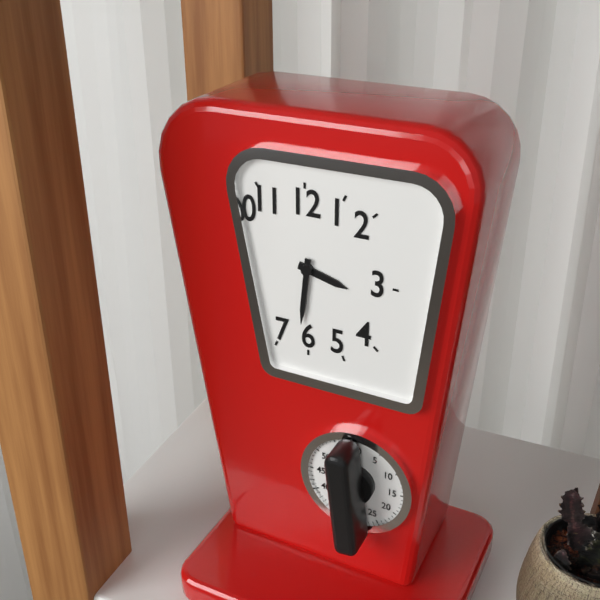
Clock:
3 h 31 min
